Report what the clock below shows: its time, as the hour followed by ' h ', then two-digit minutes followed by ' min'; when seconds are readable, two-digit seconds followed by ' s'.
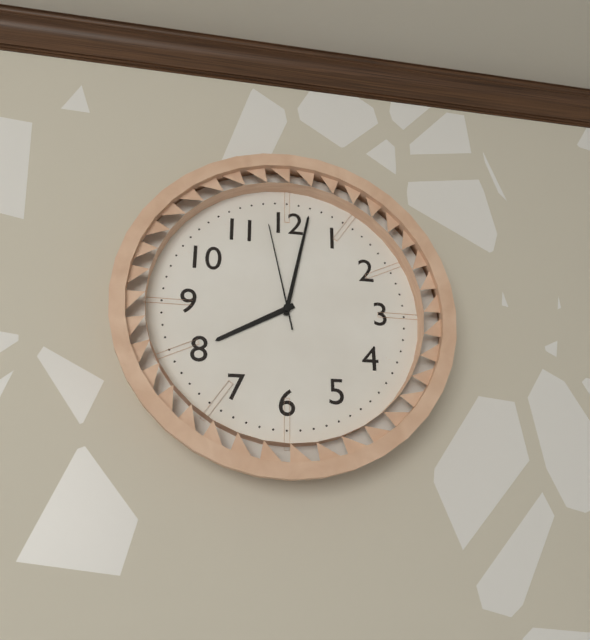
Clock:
8 h 02 min 58 s
